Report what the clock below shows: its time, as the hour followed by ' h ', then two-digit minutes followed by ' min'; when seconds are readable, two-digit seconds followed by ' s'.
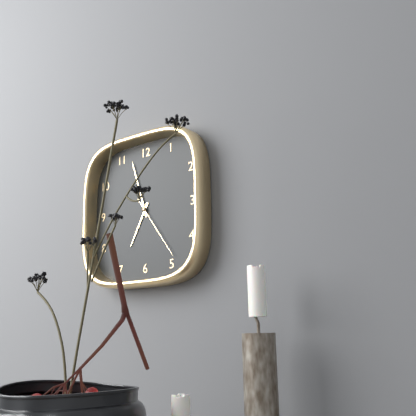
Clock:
6 h 57 min 24 s
